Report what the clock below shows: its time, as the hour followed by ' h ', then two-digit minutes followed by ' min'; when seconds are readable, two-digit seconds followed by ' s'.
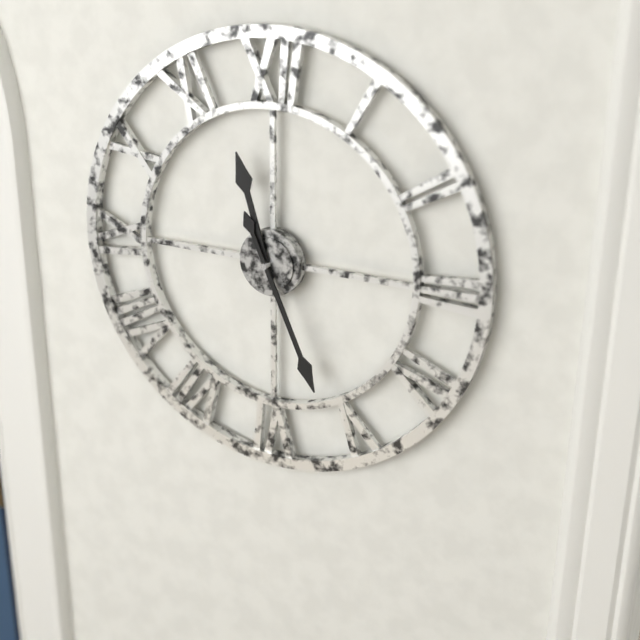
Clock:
11 h 26 min
